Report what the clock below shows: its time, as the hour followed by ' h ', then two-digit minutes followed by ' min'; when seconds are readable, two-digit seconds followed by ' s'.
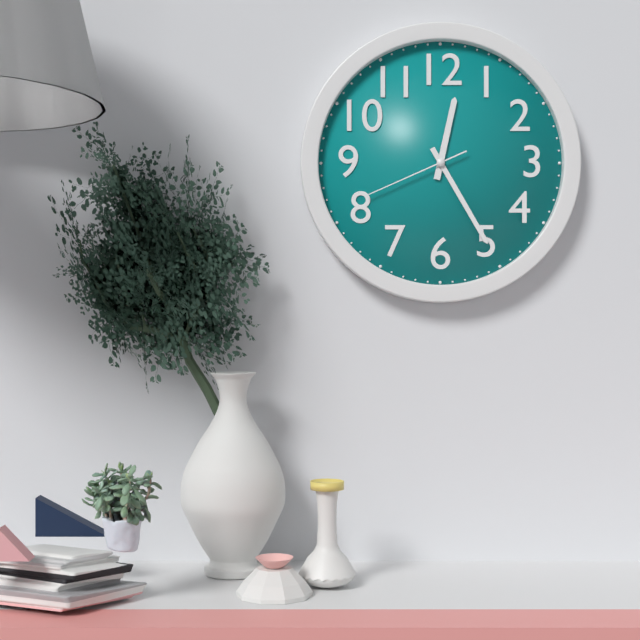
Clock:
12 h 25 min 41 s
